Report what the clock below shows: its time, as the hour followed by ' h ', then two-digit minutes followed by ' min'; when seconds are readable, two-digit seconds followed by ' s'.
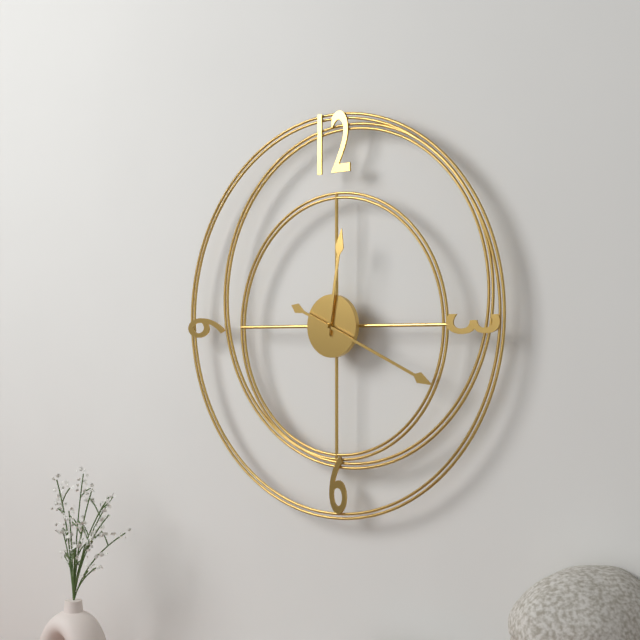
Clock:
12 h 19 min
